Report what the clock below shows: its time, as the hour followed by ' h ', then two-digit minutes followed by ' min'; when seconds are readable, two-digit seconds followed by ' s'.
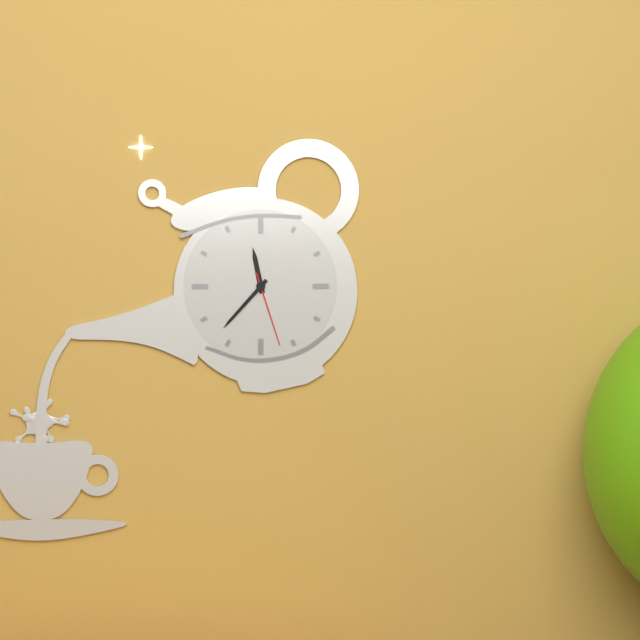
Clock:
11 h 37 min 27 s
